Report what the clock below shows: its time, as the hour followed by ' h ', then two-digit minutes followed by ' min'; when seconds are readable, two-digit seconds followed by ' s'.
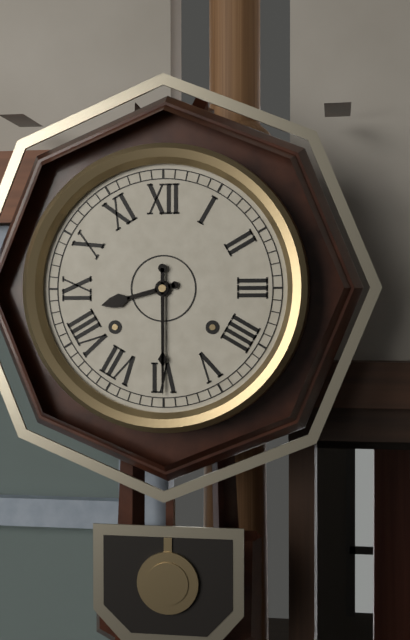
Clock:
8 h 30 min
